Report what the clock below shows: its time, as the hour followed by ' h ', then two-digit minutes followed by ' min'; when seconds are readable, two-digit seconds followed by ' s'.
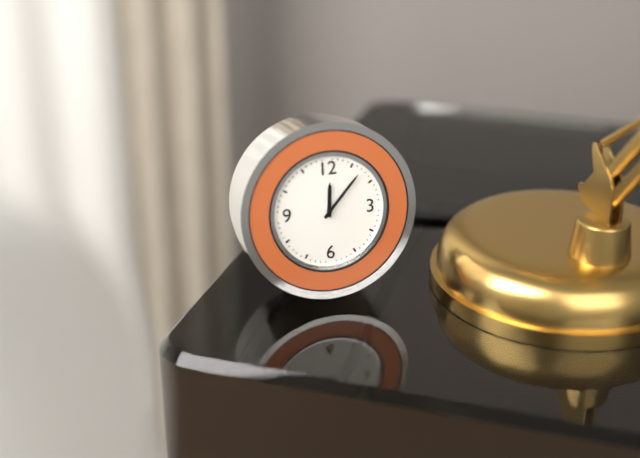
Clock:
12 h 07 min
